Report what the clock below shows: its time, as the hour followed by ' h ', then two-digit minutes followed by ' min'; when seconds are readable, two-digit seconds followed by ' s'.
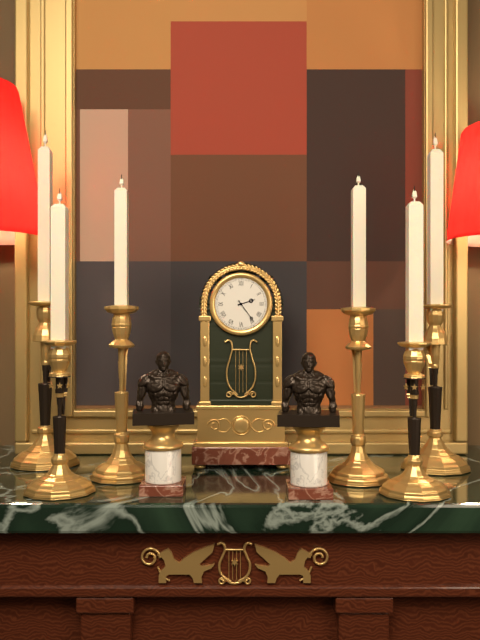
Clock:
2 h 24 min
